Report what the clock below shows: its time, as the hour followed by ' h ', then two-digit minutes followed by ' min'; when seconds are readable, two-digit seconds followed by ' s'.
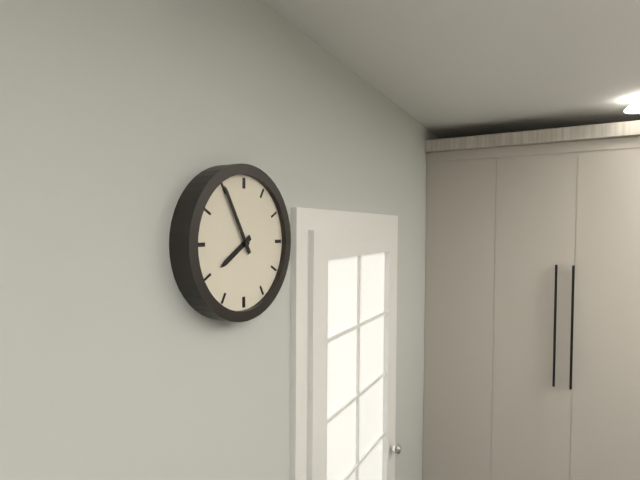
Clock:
7 h 55 min
